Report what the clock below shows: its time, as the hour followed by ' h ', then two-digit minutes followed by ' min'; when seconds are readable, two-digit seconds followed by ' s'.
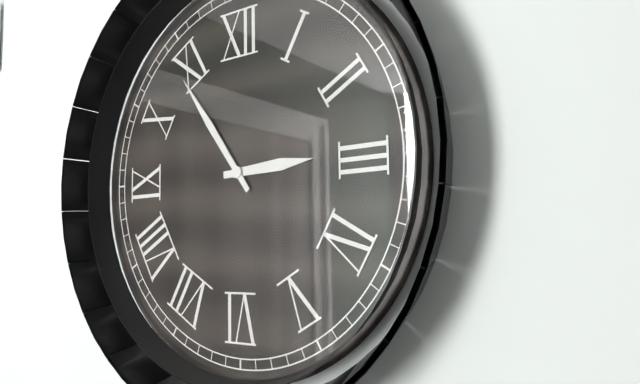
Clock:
2 h 54 min
